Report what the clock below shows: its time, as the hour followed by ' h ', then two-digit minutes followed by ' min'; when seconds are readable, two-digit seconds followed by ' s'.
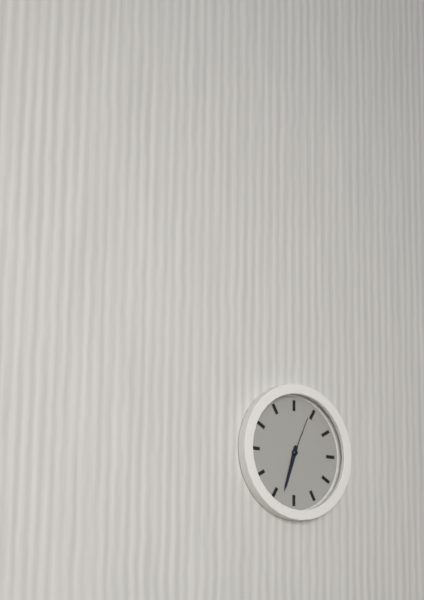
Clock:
6 h 33 min
